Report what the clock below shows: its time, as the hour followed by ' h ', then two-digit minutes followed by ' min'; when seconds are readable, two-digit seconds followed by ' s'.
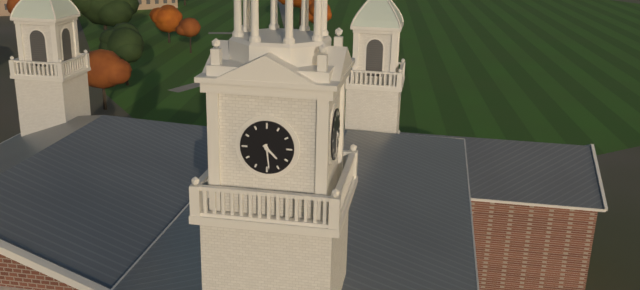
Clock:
4 h 29 min
